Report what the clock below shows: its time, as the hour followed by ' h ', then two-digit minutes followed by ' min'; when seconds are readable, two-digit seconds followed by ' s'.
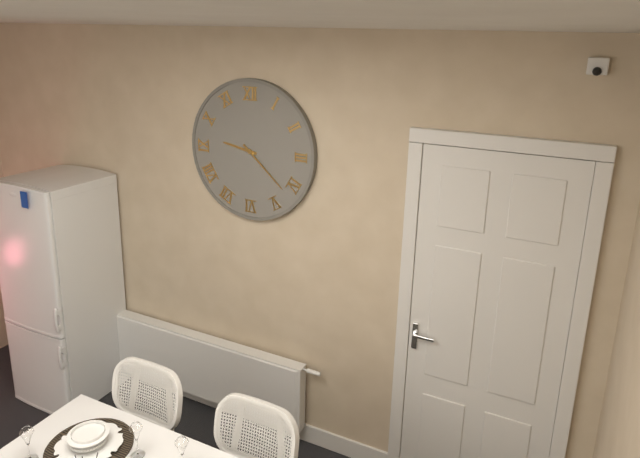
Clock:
9 h 22 min
